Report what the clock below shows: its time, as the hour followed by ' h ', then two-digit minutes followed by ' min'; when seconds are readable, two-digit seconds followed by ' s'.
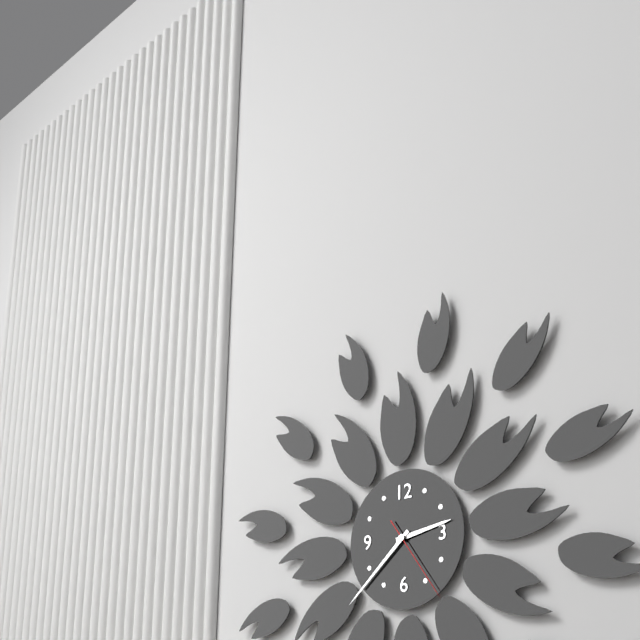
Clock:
2 h 38 min 24 s
